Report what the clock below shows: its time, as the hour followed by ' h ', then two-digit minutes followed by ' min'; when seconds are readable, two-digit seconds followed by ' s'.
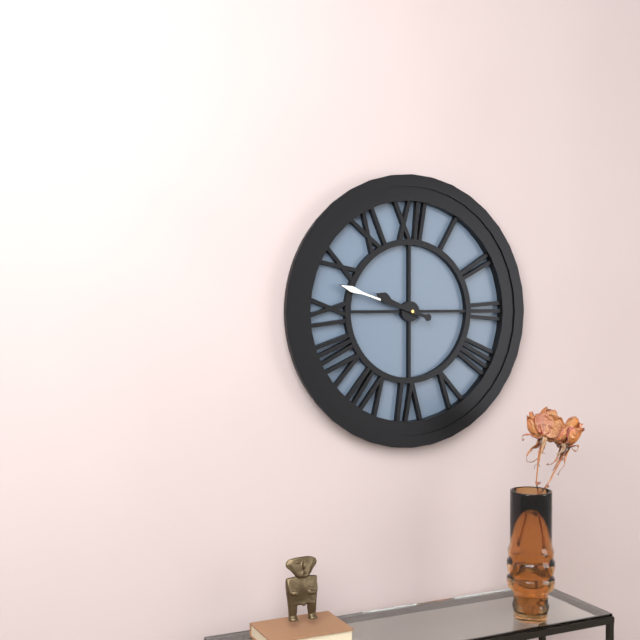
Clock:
9 h 48 min
